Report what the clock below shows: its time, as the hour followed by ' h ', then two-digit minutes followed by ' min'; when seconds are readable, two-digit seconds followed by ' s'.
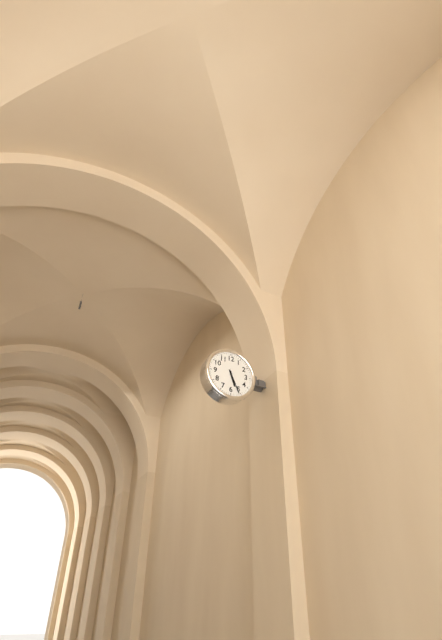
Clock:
5 h 26 min
